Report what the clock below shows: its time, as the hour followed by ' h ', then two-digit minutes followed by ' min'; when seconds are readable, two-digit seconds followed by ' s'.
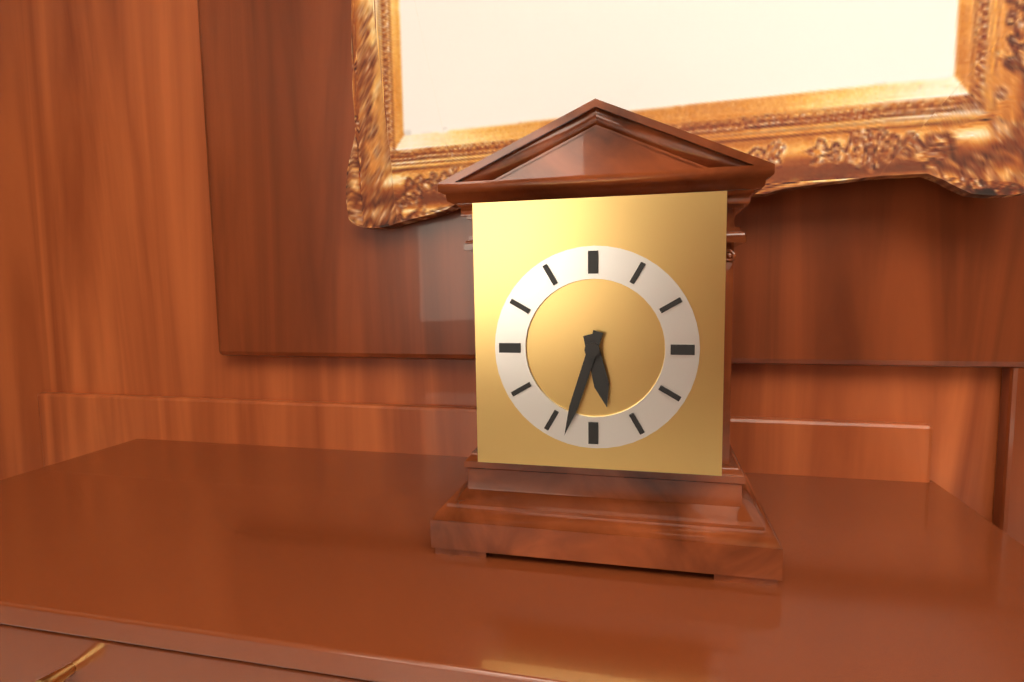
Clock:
5 h 33 min
